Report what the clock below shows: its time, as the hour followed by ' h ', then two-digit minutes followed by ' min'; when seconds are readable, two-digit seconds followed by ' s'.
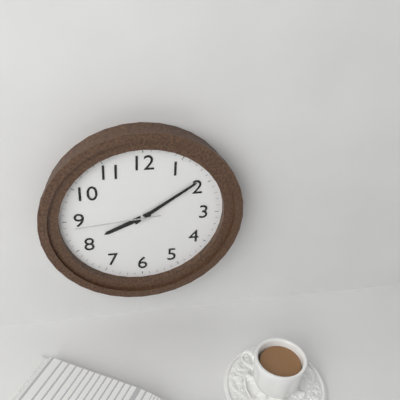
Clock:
8 h 09 min 44 s
